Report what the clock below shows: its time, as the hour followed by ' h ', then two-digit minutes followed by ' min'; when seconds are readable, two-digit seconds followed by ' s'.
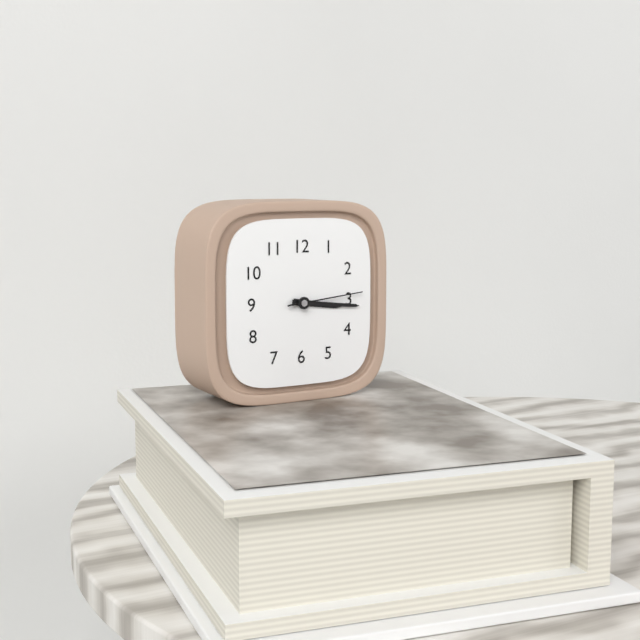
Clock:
3 h 16 min 14 s
